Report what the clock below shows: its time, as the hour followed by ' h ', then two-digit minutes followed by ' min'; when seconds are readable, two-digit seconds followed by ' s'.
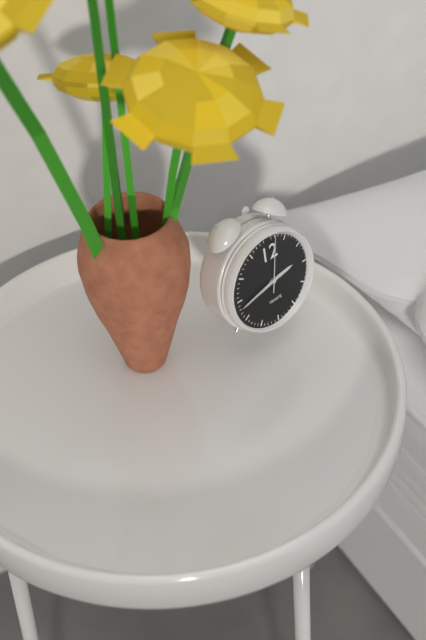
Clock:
2 h 43 min 02 s
